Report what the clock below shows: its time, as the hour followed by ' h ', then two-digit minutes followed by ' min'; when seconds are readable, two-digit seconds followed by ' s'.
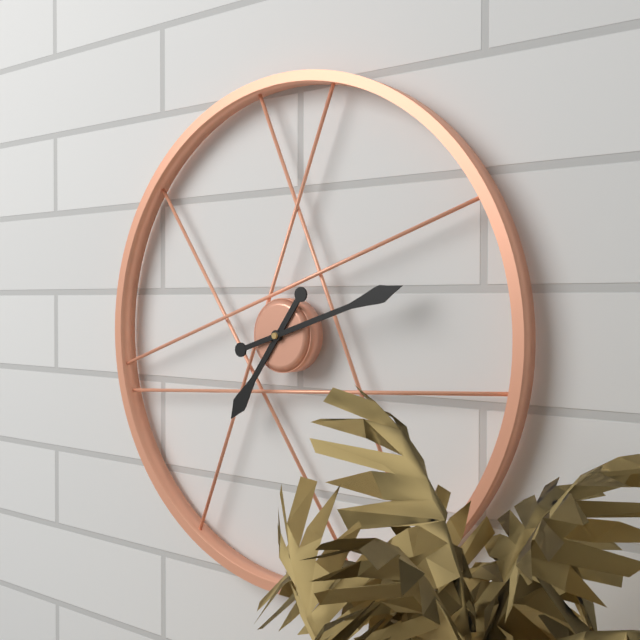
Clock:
7 h 12 min
